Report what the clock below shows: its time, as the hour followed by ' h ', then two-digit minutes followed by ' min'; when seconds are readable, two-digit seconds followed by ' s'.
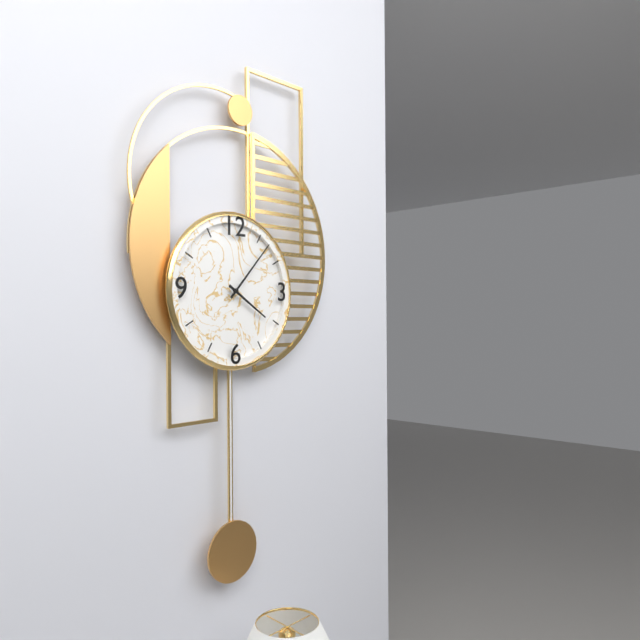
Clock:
4 h 07 min
